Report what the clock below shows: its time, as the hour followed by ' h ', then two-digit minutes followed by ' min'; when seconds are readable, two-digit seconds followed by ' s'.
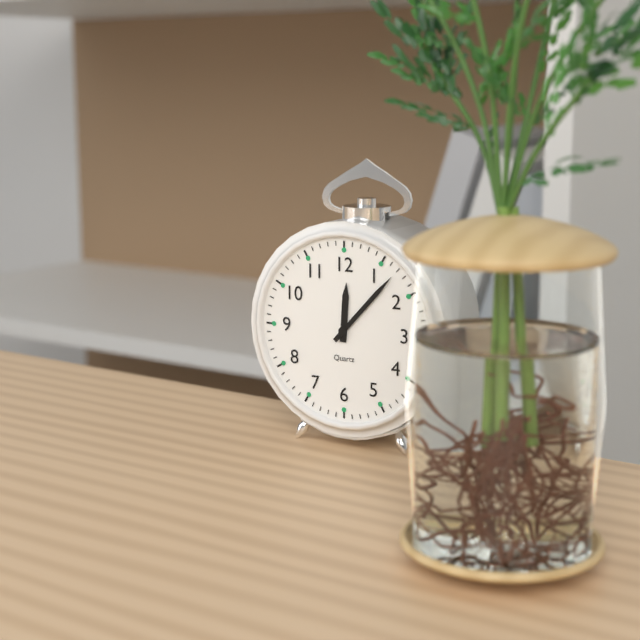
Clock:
12 h 07 min
